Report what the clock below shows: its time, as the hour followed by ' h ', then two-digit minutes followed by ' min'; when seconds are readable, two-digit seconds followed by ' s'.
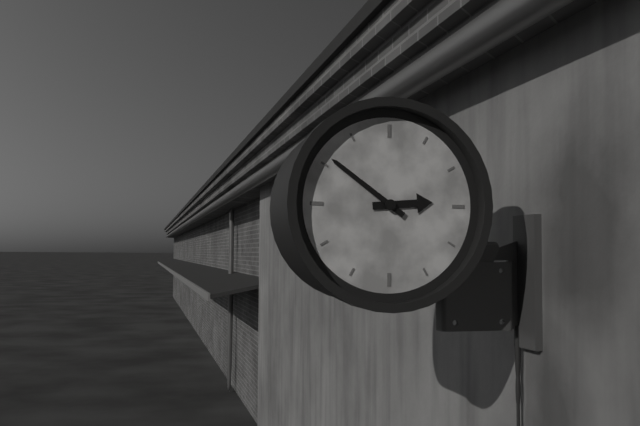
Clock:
2 h 51 min
